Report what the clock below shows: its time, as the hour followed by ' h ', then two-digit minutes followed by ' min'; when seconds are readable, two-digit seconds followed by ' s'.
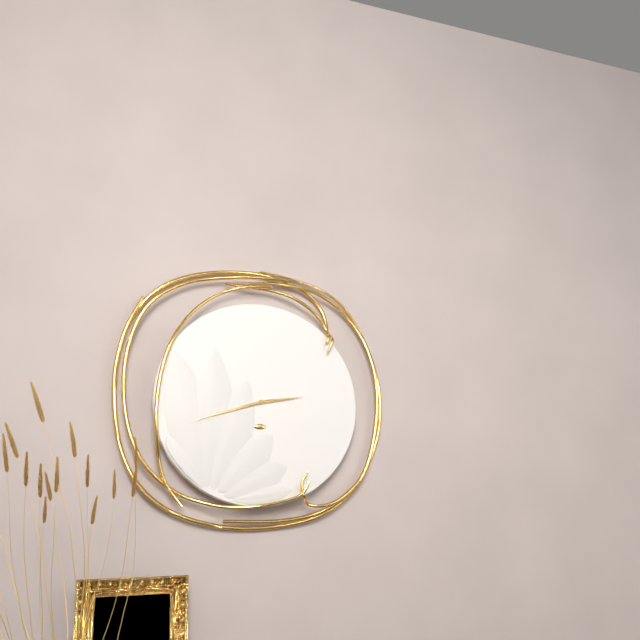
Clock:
2 h 42 min
